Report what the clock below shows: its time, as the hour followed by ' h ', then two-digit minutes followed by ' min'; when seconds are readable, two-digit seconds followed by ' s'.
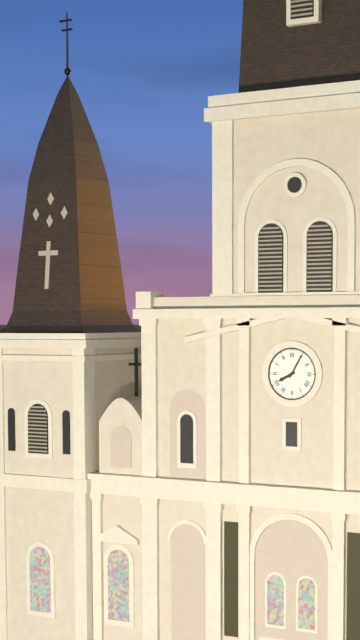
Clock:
8 h 05 min
